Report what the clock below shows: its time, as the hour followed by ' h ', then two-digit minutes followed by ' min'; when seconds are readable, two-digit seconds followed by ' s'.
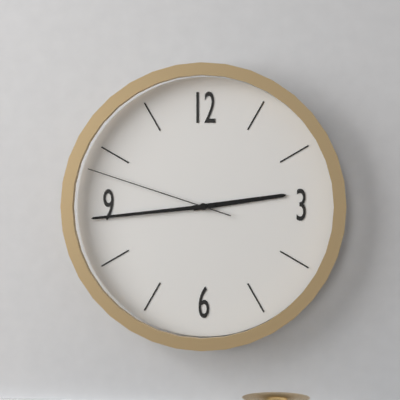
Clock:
2 h 44 min 48 s
